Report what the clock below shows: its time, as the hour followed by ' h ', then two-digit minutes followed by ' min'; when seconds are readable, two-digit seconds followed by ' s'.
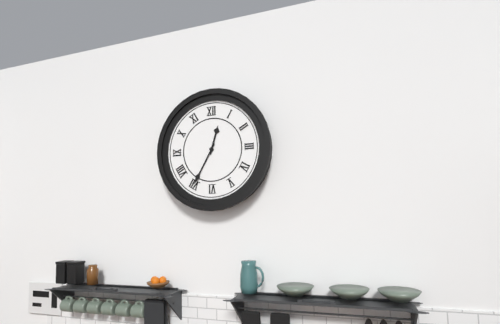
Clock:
12 h 35 min
